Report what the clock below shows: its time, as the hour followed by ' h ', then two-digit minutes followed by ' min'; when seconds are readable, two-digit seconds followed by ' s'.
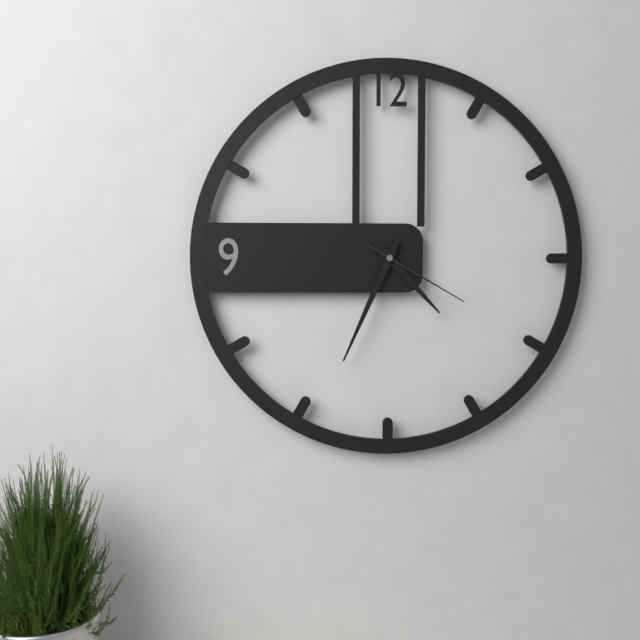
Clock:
4 h 34 min 20 s
